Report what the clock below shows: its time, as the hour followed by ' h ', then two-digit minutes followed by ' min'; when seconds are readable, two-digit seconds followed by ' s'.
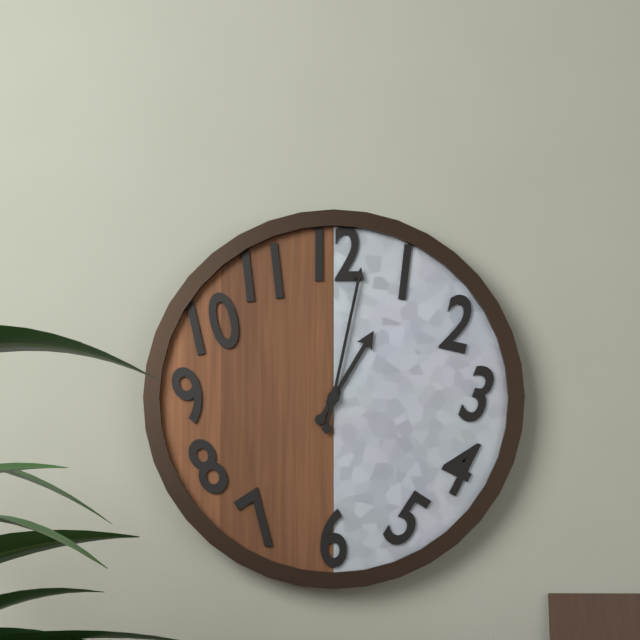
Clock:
1 h 02 min
